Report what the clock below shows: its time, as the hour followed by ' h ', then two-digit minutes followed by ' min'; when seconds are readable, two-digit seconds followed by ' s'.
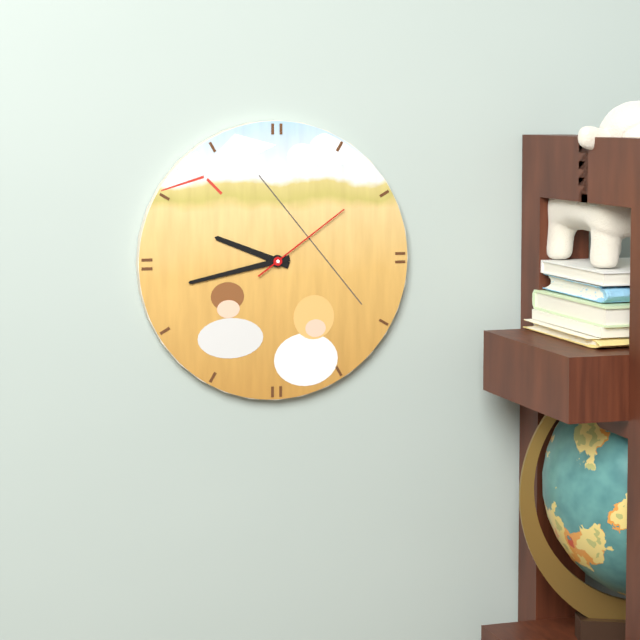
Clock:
9 h 43 min 09 s
